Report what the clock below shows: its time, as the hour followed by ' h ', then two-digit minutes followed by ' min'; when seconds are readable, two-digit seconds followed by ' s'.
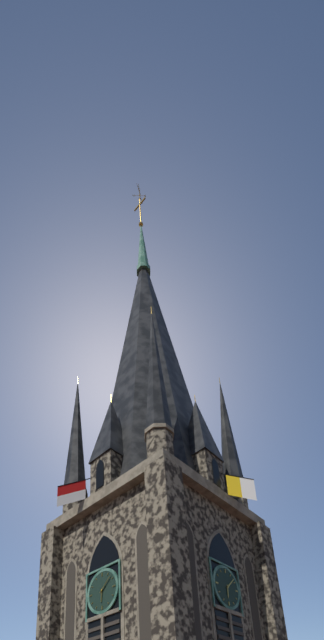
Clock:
6 h 08 min
